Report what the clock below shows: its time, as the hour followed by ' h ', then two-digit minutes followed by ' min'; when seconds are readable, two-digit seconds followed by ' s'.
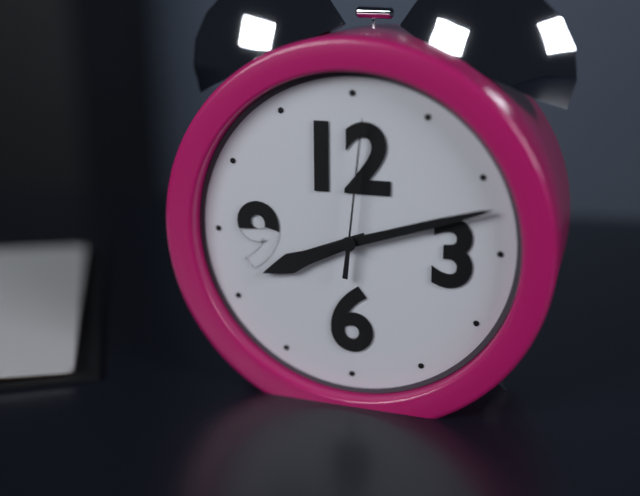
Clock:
8 h 12 min 01 s
